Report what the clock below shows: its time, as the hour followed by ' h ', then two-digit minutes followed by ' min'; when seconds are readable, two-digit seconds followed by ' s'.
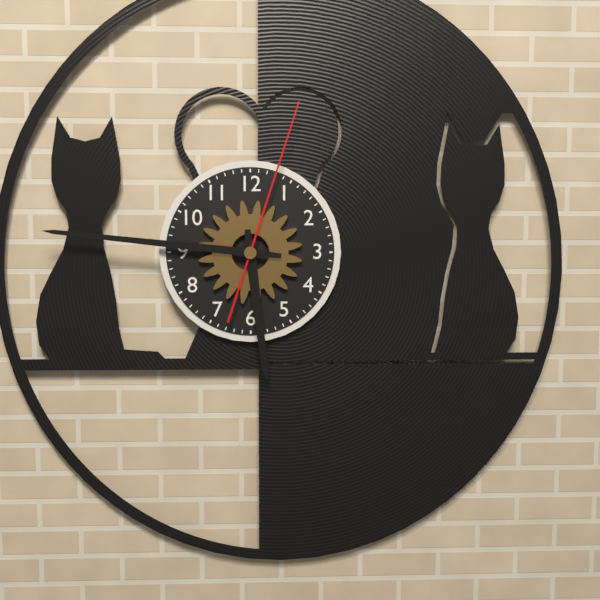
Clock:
5 h 46 min 03 s
